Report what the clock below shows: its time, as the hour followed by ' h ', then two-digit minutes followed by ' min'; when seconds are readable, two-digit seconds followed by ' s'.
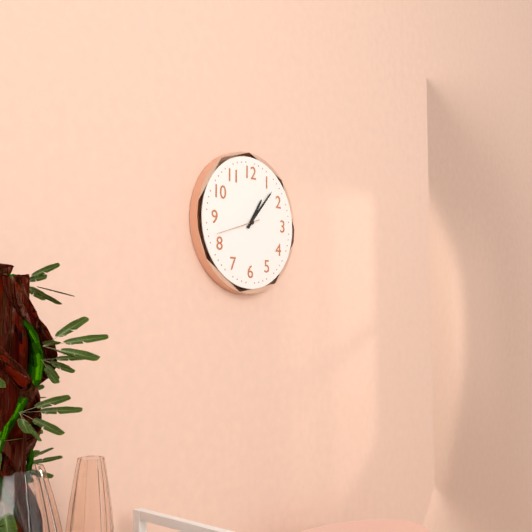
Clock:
1 h 07 min
